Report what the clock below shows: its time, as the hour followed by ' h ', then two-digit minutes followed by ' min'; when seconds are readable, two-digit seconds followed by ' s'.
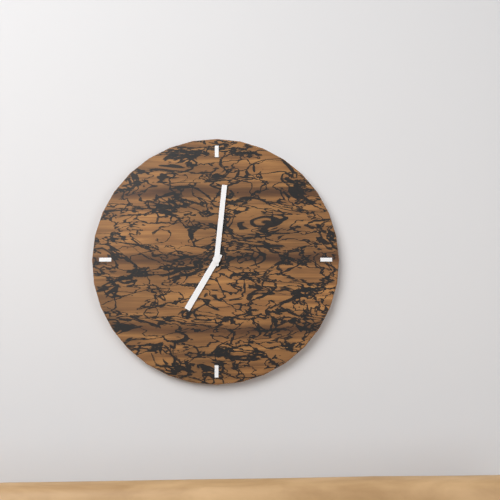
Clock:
7 h 01 min
